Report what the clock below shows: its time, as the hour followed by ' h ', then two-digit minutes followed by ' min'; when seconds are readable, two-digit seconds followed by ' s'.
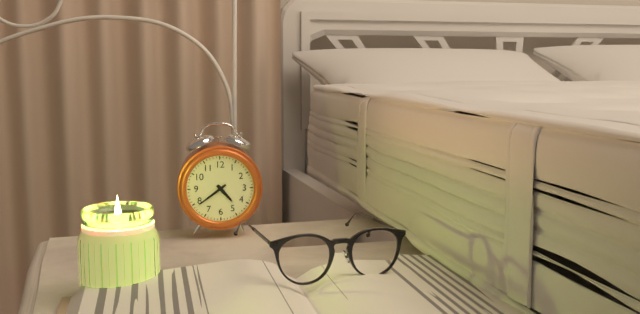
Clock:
4 h 39 min
